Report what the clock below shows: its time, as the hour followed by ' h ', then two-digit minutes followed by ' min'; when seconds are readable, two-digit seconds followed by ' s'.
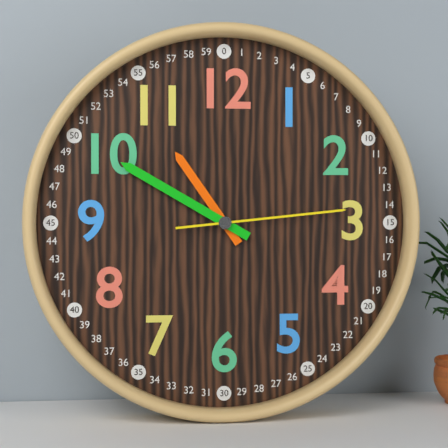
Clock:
10 h 50 min 14 s
